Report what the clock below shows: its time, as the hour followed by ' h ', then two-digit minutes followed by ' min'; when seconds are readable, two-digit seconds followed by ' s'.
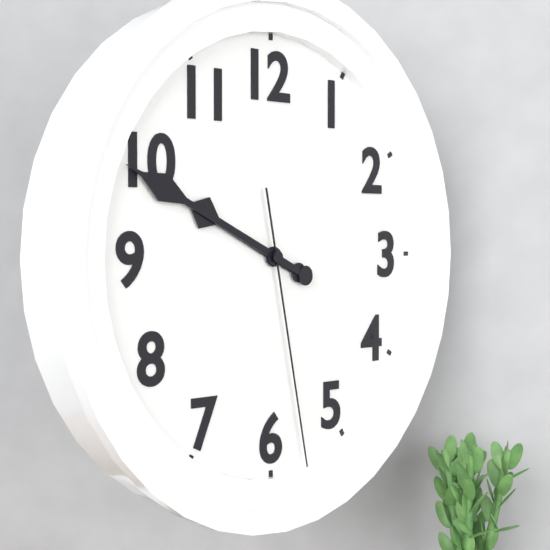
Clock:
9 h 49 min 28 s
